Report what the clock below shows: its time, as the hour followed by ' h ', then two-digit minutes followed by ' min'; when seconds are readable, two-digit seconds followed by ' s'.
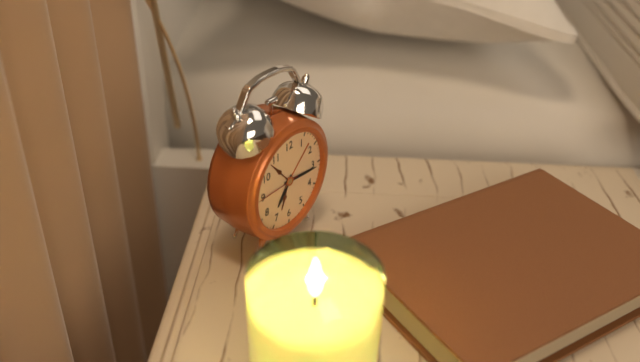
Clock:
7 h 16 min
